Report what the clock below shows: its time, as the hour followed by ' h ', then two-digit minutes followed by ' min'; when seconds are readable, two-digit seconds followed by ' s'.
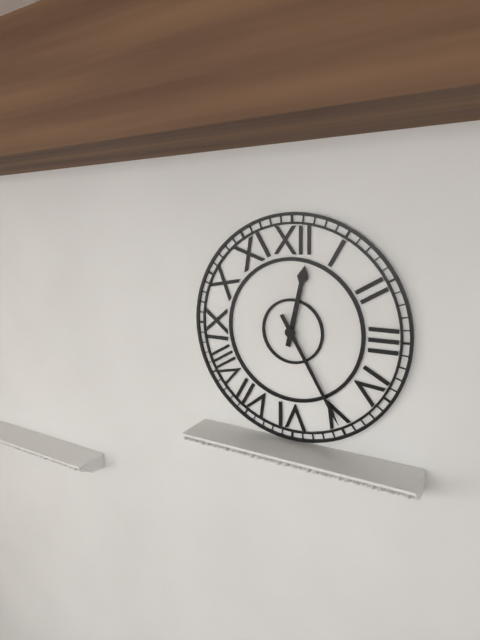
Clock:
12 h 25 min
